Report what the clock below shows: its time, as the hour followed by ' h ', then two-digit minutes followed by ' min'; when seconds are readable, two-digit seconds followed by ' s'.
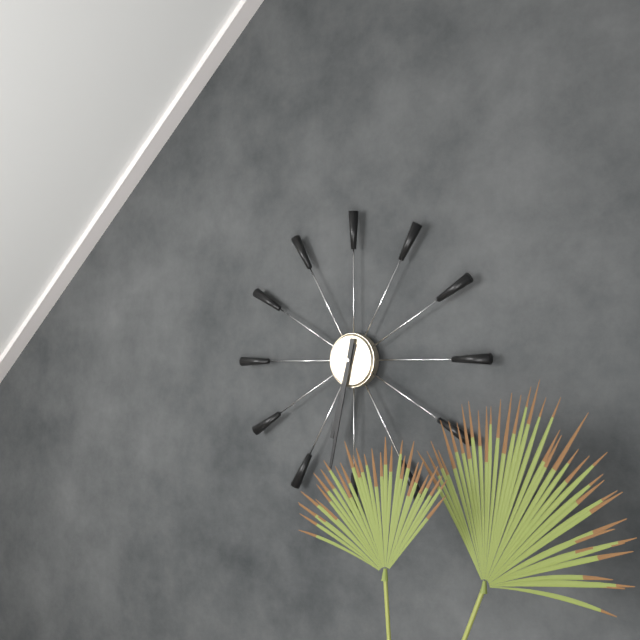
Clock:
6 h 32 min
